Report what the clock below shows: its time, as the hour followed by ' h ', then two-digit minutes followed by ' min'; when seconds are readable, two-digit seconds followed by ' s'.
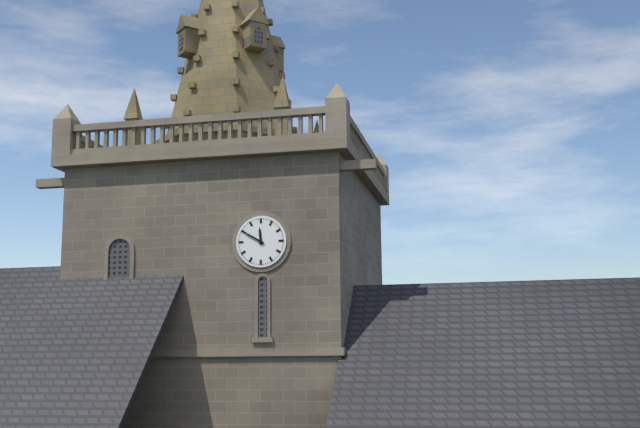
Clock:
11 h 50 min
